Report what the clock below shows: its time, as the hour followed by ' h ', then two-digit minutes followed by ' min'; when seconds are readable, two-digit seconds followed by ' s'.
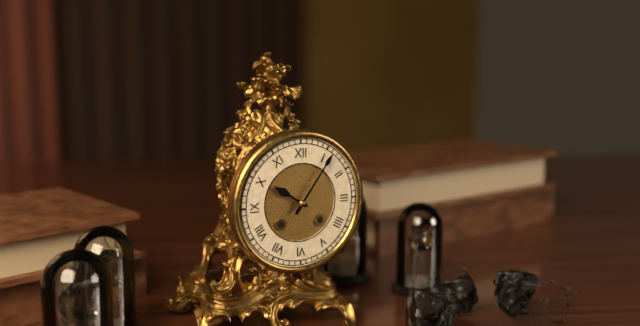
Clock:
10 h 06 min
